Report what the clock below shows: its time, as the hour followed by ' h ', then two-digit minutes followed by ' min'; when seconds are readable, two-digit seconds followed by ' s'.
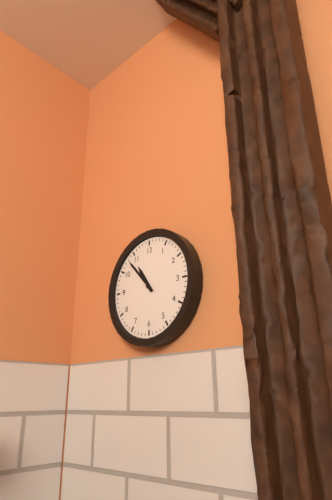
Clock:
10 h 53 min
